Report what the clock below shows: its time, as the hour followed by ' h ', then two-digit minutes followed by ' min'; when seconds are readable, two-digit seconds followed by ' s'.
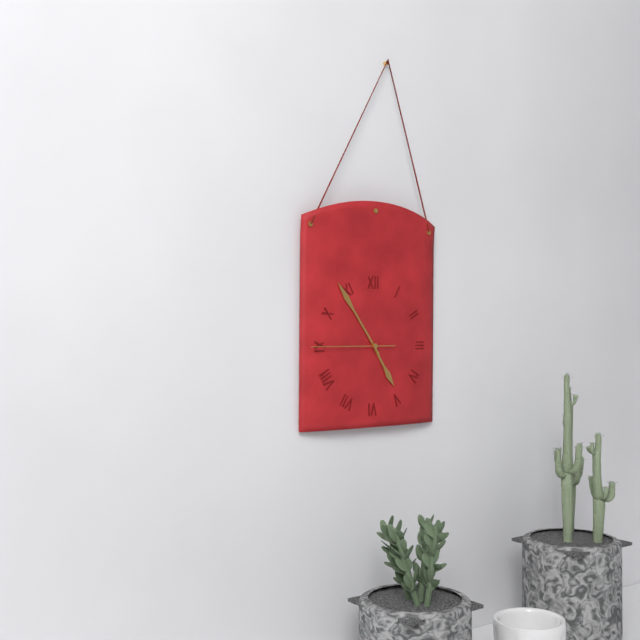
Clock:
4 h 54 min 45 s
